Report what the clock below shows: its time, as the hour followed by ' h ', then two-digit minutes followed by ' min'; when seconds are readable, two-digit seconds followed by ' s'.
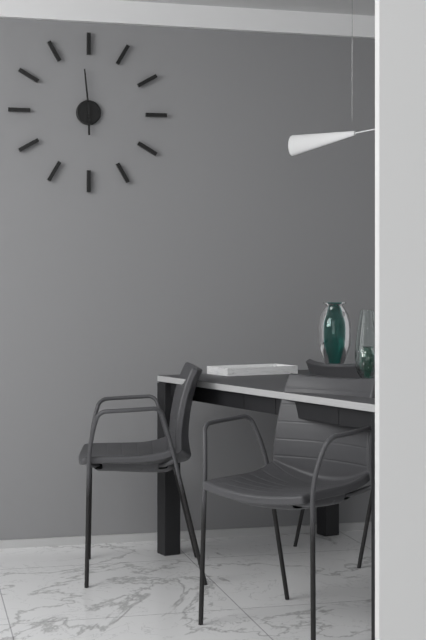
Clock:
5 h 59 min
